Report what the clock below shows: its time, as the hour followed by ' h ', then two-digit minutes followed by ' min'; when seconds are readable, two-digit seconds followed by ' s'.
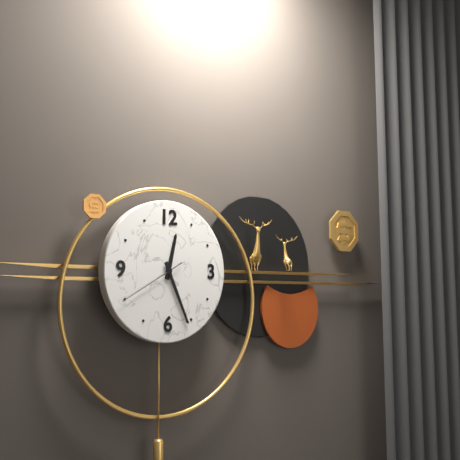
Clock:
12 h 26 min 40 s
